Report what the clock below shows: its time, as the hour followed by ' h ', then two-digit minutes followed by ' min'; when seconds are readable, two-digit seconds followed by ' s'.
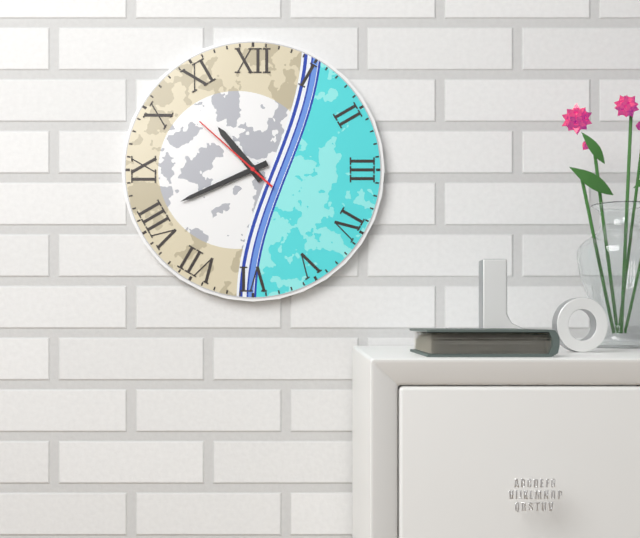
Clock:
10 h 41 min 52 s
